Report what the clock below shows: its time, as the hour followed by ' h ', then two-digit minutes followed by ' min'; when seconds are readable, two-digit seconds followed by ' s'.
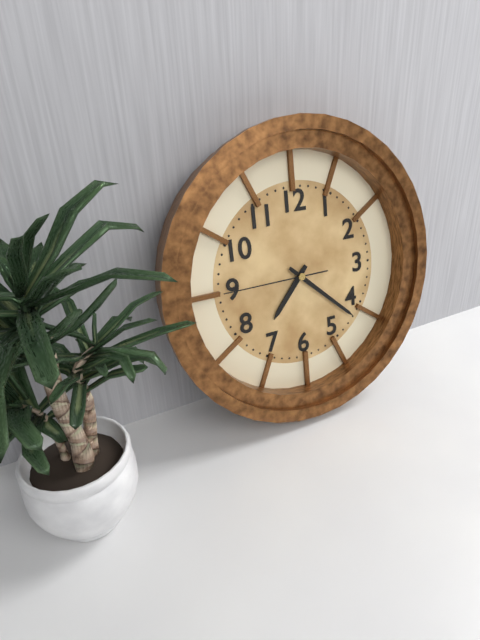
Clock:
7 h 22 min 45 s
